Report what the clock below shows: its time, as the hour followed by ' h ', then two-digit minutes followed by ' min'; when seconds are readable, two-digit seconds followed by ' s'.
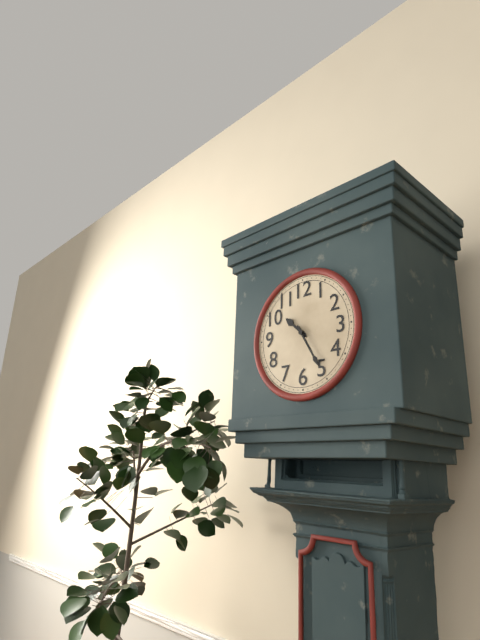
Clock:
10 h 25 min
